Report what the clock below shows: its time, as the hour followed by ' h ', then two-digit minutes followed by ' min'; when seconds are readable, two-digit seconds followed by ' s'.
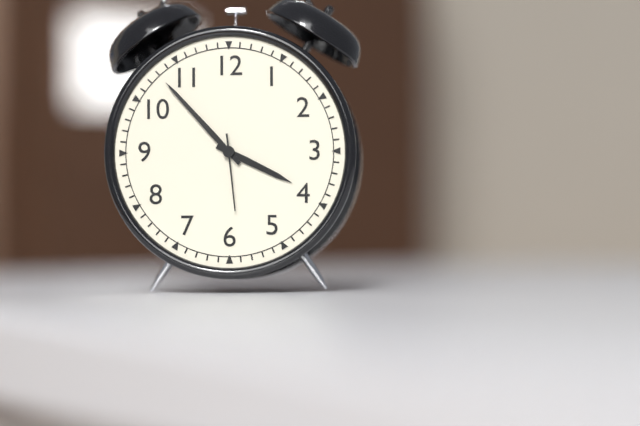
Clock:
3 h 53 min 29 s
